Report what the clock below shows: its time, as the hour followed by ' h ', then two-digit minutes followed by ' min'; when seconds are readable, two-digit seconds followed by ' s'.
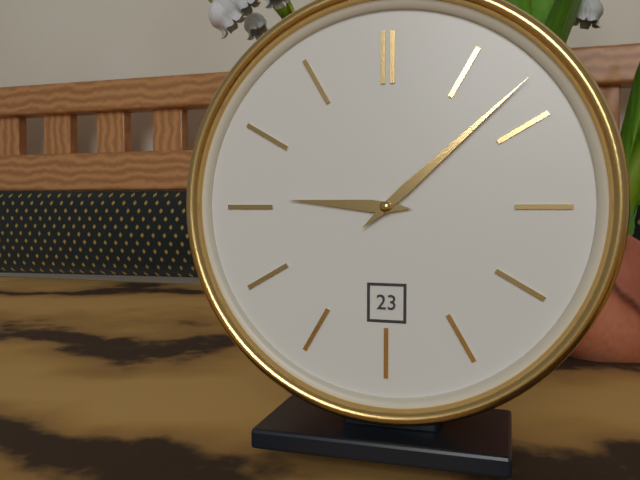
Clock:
9 h 08 min
